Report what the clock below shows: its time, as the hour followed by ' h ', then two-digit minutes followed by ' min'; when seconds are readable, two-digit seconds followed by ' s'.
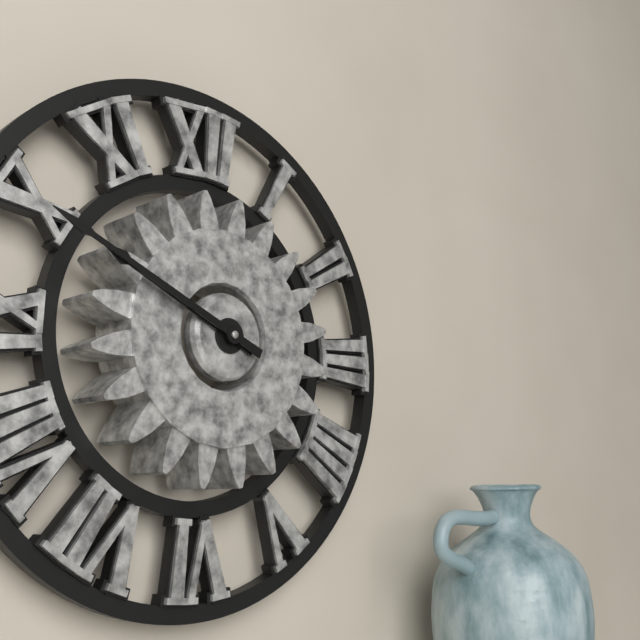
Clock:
9 h 49 min
